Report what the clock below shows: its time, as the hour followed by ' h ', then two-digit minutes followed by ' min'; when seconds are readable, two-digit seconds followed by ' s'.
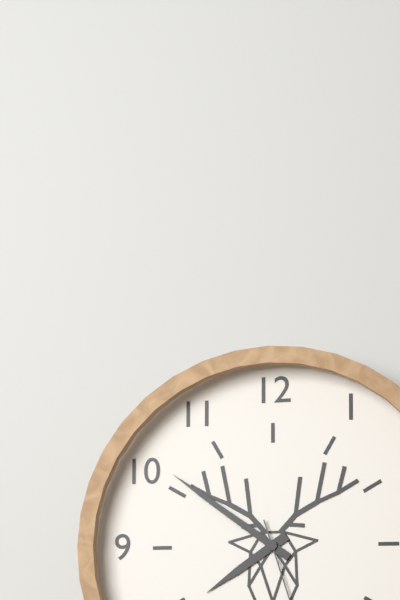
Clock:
7 h 51 min
